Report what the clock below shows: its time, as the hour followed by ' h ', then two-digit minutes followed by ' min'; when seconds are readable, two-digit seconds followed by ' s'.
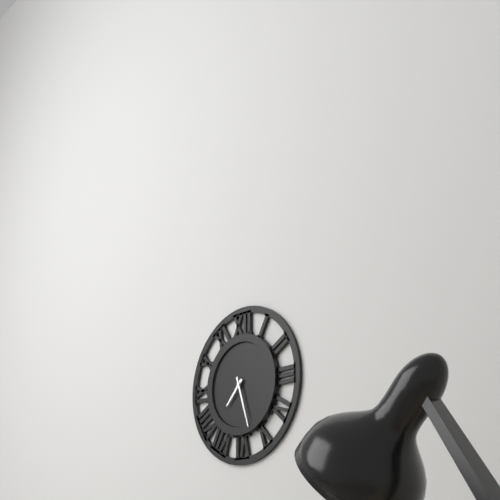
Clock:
7 h 27 min
